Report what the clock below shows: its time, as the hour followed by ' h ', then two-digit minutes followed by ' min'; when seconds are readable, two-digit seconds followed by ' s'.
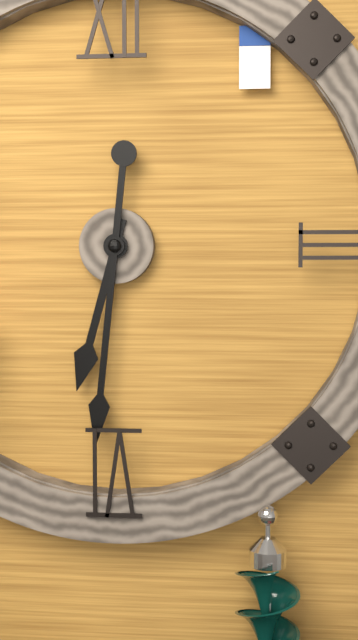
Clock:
6 h 31 min
